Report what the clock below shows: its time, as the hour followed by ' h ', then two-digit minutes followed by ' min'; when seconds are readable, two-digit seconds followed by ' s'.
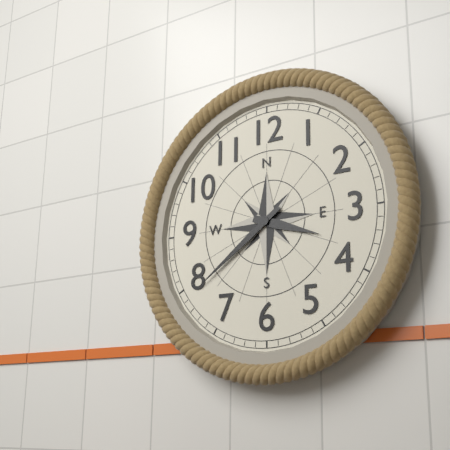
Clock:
3 h 39 min
